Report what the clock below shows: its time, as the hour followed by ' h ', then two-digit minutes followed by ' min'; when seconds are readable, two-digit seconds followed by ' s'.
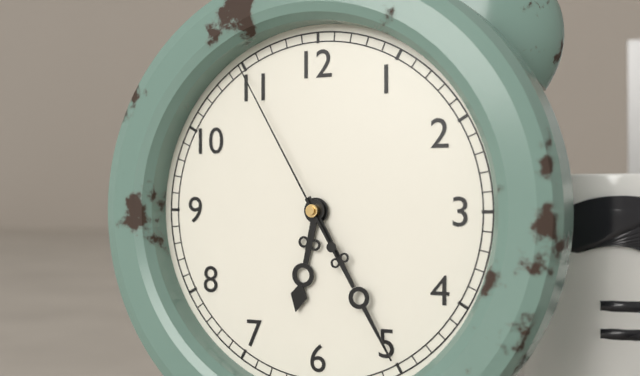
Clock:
6 h 25 min 55 s
